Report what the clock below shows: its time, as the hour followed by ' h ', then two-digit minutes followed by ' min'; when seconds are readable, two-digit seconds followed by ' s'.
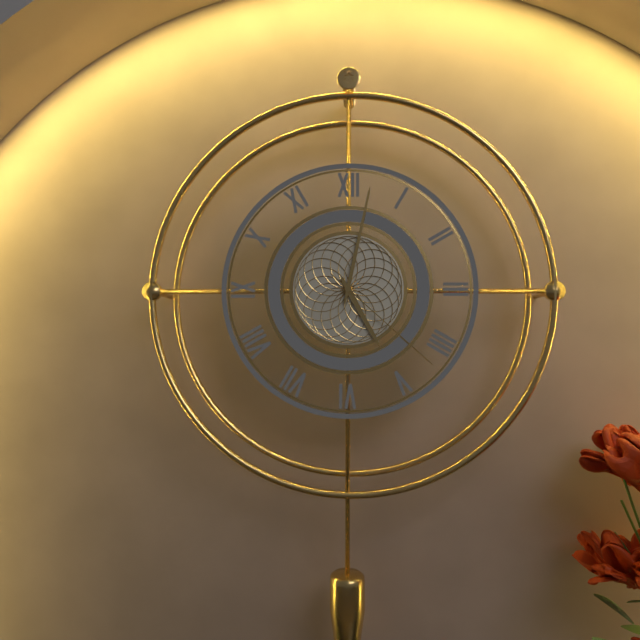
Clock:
5 h 02 min 22 s
